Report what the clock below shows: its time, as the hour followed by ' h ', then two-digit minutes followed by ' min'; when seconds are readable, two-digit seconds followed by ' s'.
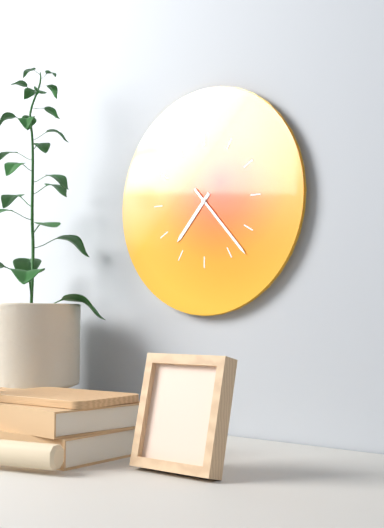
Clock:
7 h 23 min
